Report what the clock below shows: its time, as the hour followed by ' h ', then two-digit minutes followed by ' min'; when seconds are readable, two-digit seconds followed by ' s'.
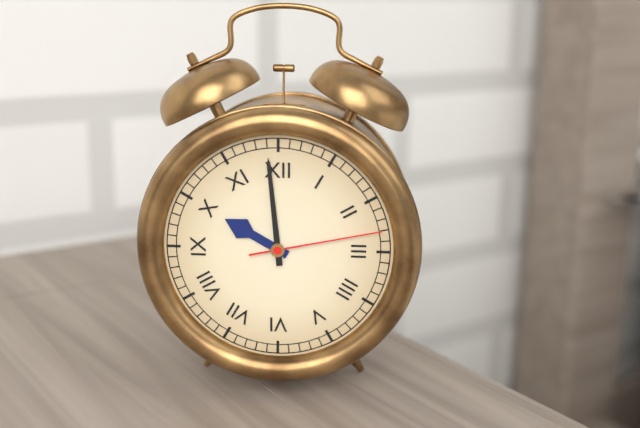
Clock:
9 h 59 min 13 s
